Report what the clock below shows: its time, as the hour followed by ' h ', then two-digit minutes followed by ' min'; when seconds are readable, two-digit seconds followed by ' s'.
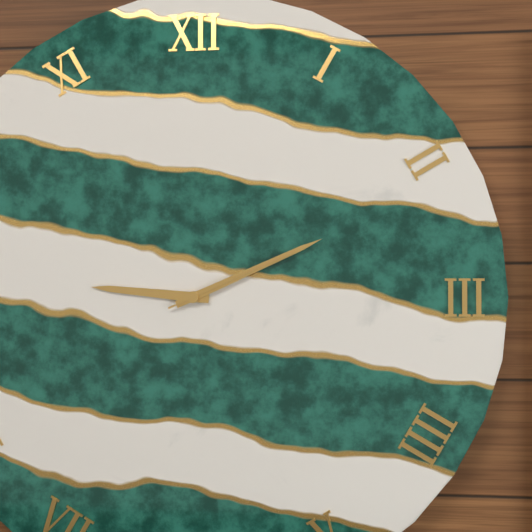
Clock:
9 h 11 min 11 s
